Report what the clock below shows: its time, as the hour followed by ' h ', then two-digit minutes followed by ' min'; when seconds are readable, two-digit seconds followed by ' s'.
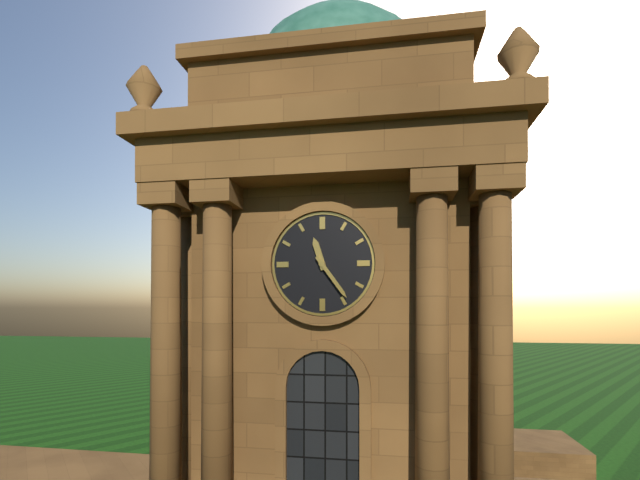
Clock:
11 h 24 min
